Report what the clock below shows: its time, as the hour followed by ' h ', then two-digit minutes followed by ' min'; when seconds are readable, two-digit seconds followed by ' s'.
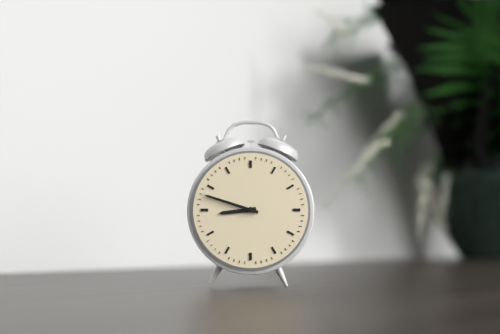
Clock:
8 h 48 min
